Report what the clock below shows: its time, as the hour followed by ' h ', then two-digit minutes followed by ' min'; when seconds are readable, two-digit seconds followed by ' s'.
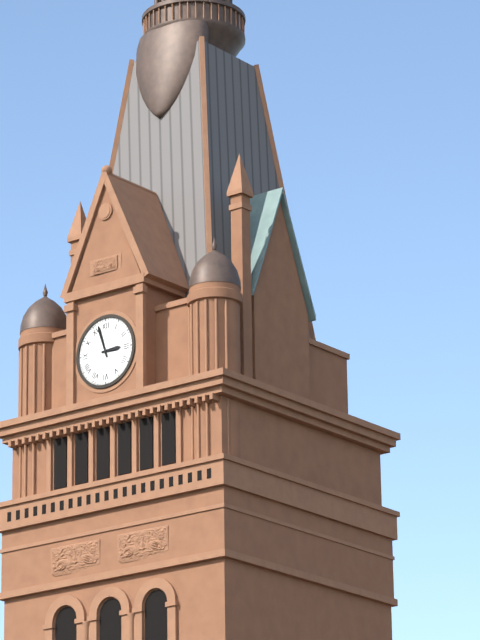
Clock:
2 h 57 min
